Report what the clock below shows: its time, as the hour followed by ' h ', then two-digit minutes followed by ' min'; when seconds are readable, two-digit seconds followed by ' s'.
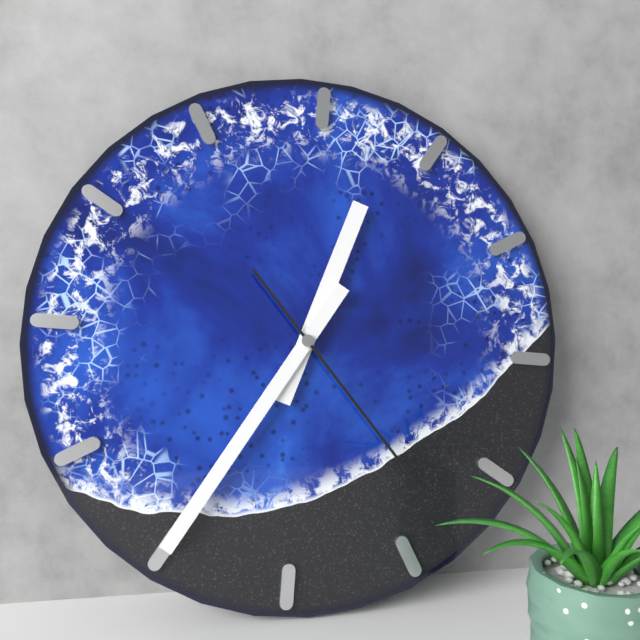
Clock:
12 h 35 min 23 s
